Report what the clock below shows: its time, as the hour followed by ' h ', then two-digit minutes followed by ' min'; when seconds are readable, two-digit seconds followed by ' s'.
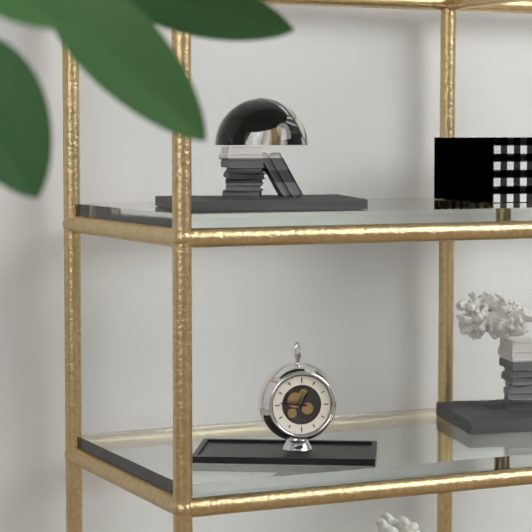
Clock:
12 h 46 min
